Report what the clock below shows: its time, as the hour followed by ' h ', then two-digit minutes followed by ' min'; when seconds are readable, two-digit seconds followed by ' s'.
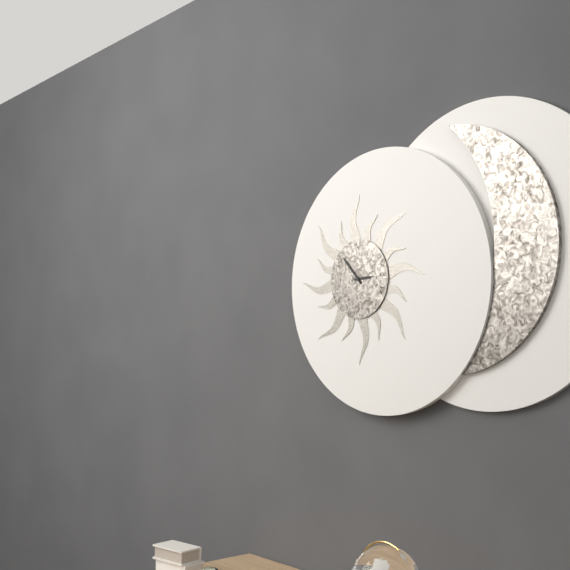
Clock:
2 h 53 min
